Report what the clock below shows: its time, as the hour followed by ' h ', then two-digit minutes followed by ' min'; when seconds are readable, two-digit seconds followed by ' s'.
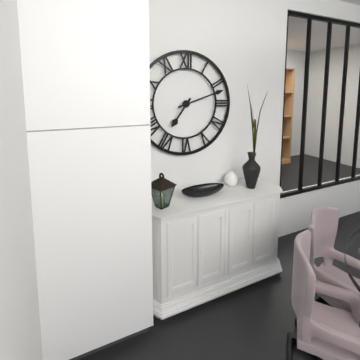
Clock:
7 h 12 min
